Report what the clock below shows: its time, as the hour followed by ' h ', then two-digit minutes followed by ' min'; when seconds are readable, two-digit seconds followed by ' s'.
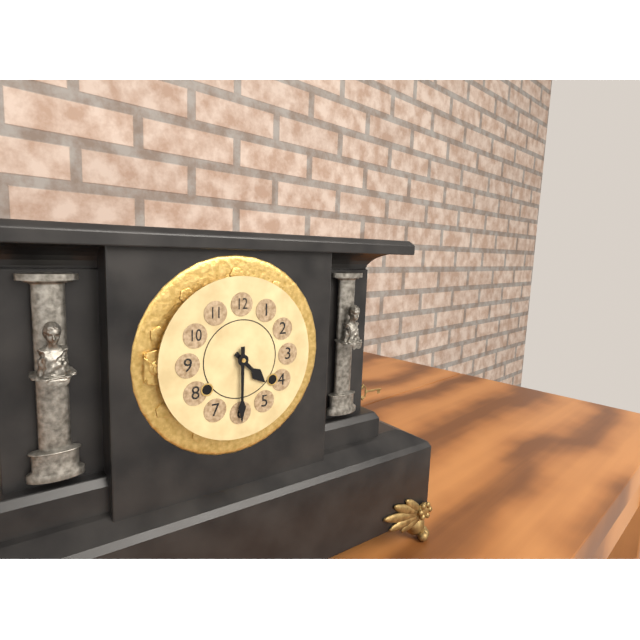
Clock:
4 h 30 min
